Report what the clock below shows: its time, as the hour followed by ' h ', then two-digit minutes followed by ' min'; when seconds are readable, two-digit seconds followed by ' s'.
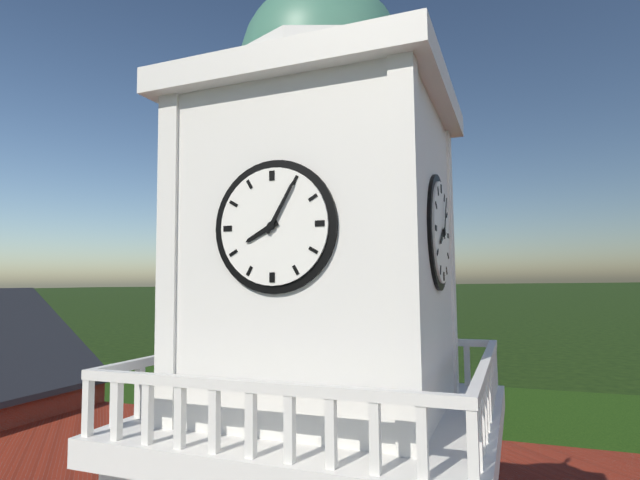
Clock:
8 h 05 min
